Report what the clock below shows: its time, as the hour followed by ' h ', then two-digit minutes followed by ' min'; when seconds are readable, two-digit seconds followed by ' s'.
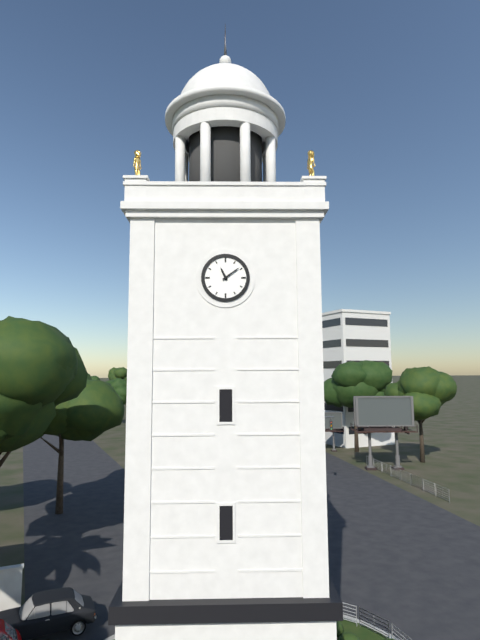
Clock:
11 h 09 min
